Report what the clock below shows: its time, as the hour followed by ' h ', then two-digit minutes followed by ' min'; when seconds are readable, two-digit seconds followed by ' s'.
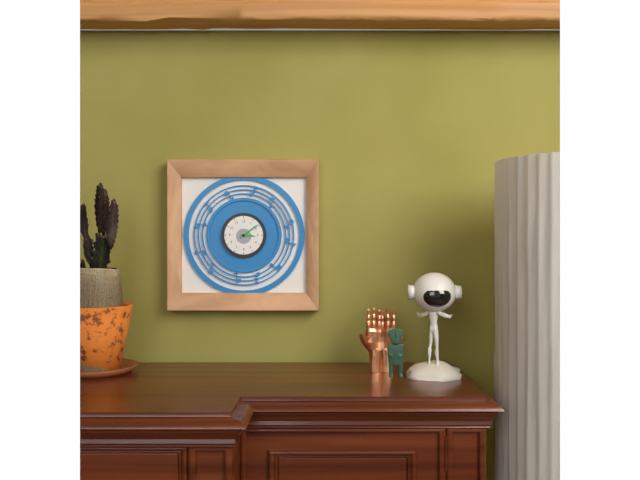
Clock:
3 h 09 min
